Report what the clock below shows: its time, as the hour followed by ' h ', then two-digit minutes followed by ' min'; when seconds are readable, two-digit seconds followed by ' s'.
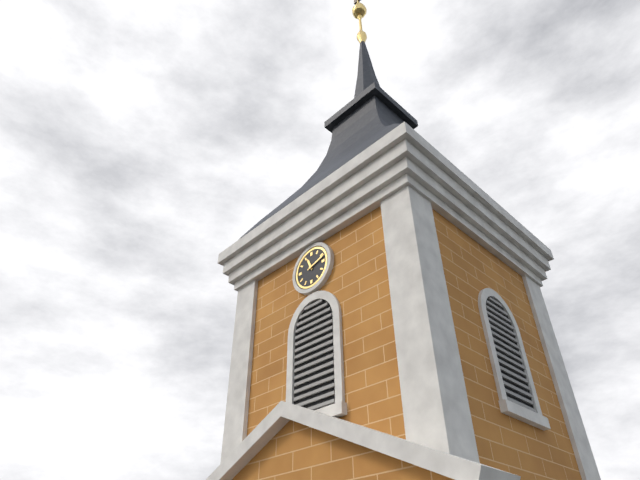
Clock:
11 h 12 min
